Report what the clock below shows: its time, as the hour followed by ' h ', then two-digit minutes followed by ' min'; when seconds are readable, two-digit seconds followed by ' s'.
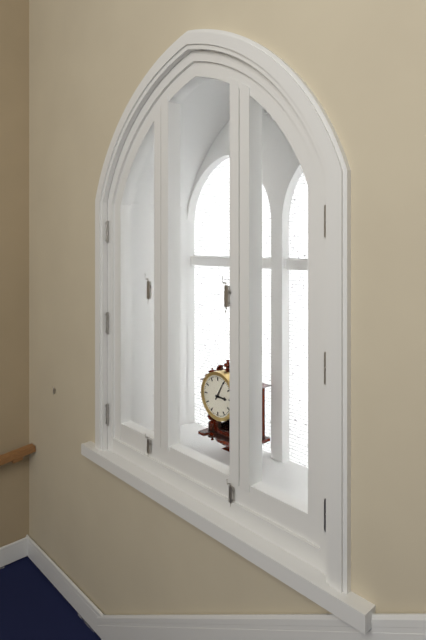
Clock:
3 h 05 min
